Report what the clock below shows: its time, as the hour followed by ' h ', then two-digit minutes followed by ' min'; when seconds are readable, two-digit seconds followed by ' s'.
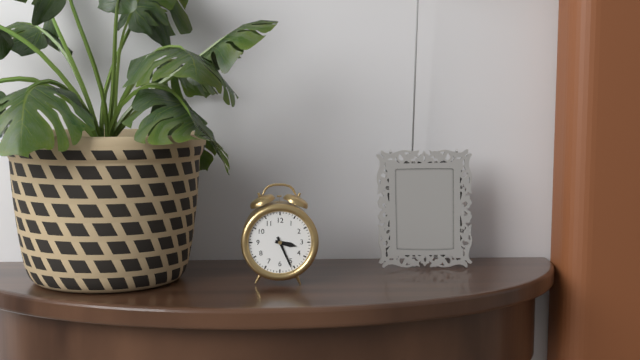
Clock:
3 h 26 min
